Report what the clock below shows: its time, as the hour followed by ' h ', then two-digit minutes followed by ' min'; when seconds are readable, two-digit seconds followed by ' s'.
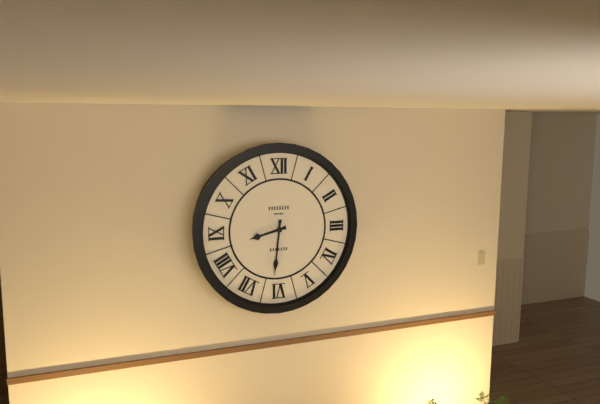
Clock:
8 h 31 min
